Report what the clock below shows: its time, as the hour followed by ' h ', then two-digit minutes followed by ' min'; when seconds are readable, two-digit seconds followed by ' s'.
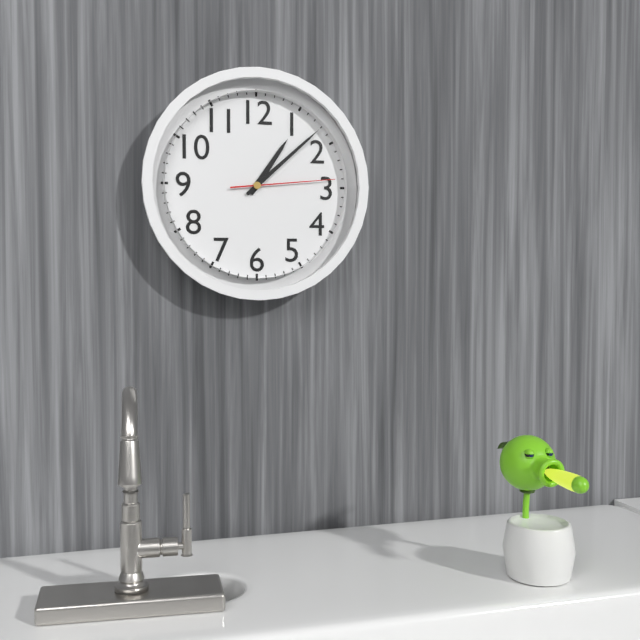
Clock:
1 h 08 min 14 s
